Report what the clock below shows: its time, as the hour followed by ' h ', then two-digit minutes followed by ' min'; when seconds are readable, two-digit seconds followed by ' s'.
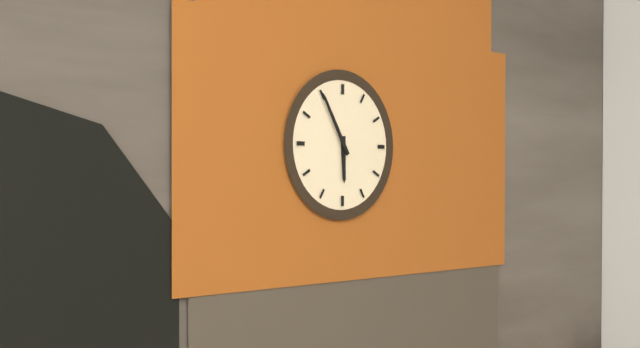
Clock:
5 h 55 min
